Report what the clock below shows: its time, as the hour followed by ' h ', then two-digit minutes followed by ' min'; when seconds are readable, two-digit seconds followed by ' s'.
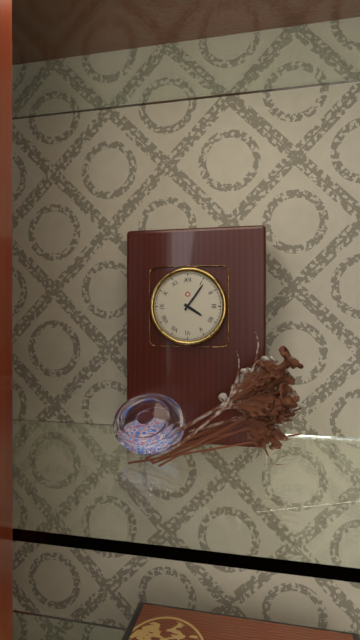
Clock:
4 h 06 min
